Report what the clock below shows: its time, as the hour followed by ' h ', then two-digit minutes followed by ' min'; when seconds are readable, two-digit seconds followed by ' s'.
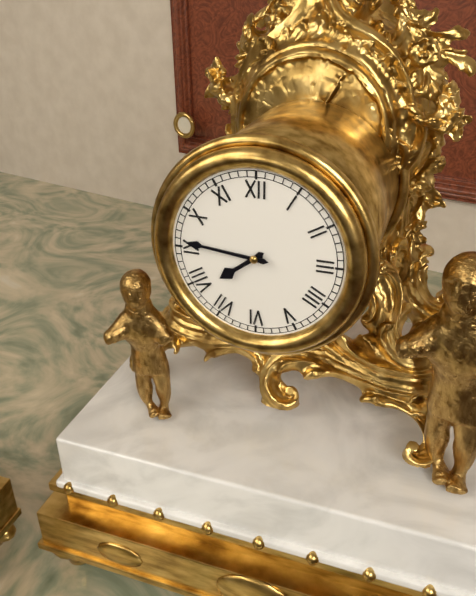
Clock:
7 h 46 min
